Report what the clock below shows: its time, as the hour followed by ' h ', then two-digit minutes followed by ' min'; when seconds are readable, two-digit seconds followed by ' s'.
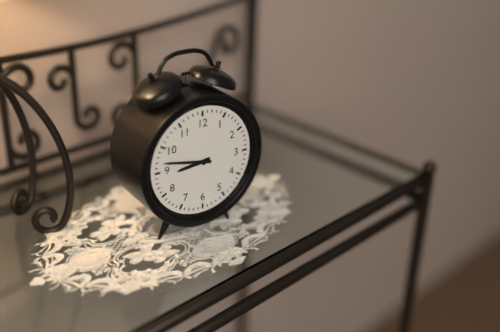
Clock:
8 h 47 min
